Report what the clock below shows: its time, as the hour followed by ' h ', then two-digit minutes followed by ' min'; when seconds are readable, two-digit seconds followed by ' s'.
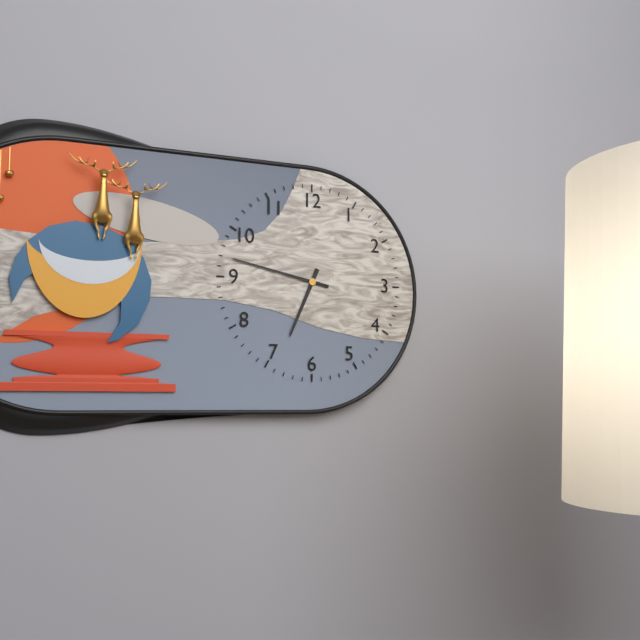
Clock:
6 h 47 min
